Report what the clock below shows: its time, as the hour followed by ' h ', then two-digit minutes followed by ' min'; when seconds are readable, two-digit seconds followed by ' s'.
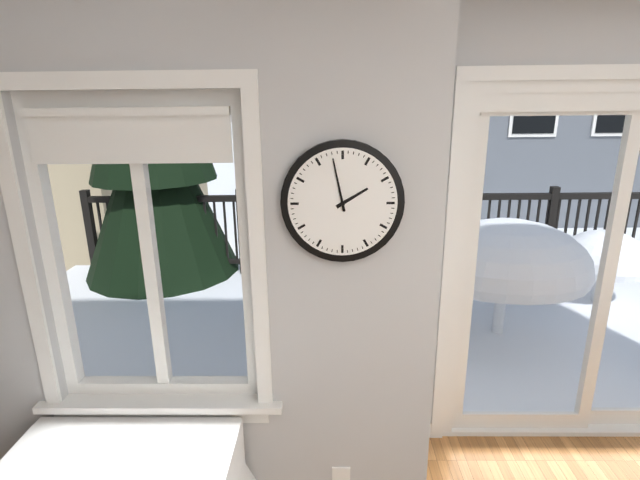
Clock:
1 h 58 min
